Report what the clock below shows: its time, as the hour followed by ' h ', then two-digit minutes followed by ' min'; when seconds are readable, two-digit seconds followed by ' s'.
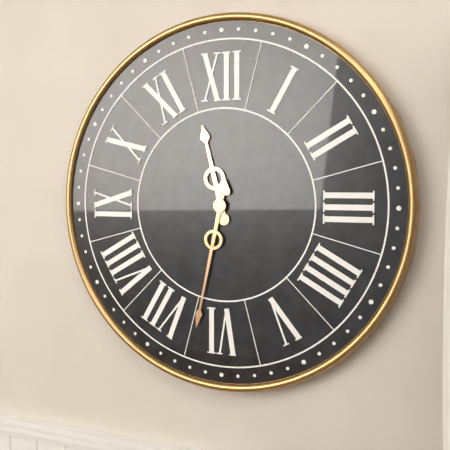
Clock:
11 h 32 min
